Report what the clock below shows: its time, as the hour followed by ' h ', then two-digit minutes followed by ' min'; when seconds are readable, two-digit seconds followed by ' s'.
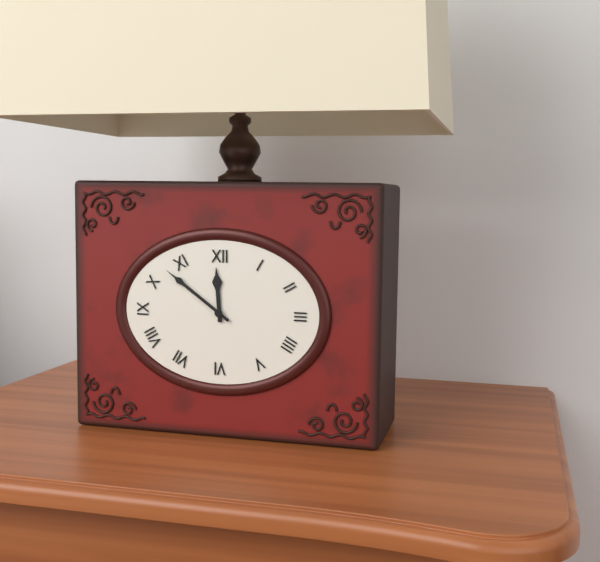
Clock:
11 h 51 min
